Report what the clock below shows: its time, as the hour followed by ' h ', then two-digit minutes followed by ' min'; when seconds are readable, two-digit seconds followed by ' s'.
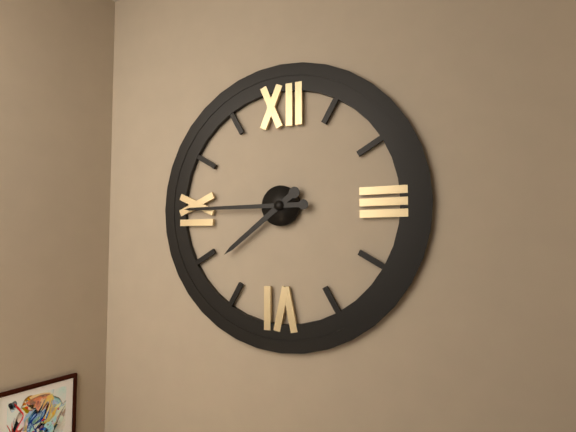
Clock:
7 h 45 min
